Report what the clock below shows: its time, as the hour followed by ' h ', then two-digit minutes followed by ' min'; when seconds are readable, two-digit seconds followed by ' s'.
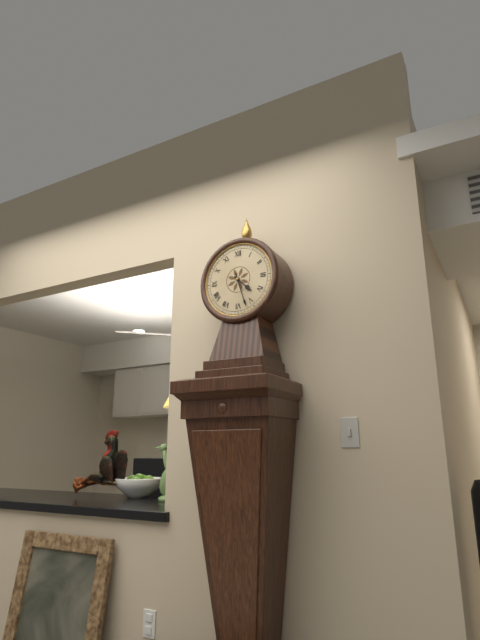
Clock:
4 h 27 min
